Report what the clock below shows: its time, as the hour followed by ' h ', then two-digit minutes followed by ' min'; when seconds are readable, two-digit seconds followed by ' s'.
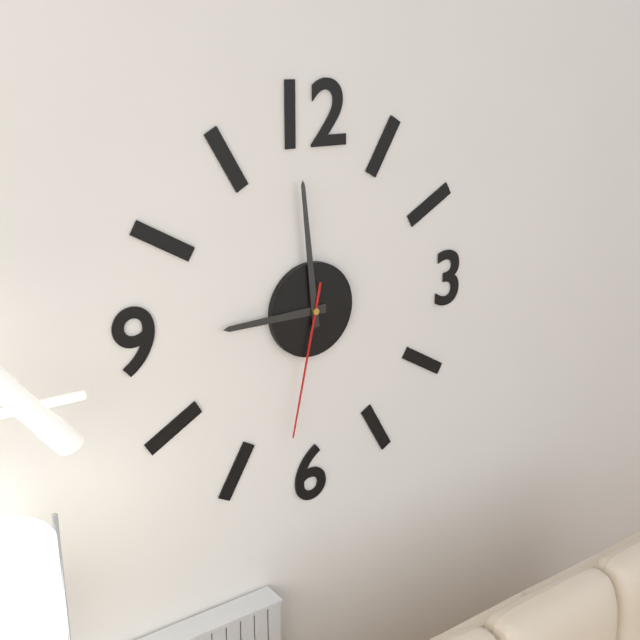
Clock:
8 h 59 min 32 s
